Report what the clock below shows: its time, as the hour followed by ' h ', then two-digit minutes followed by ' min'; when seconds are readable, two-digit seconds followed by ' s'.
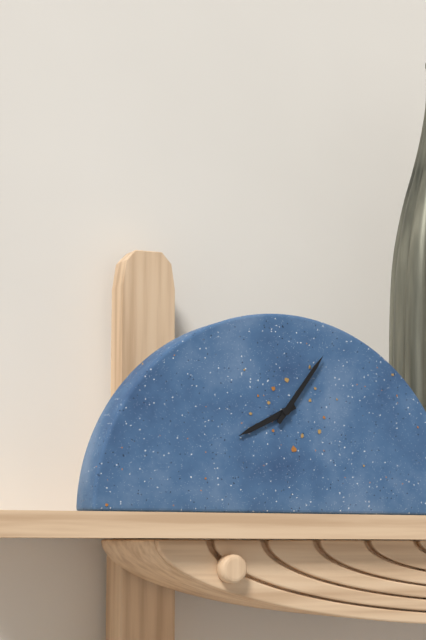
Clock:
8 h 06 min
